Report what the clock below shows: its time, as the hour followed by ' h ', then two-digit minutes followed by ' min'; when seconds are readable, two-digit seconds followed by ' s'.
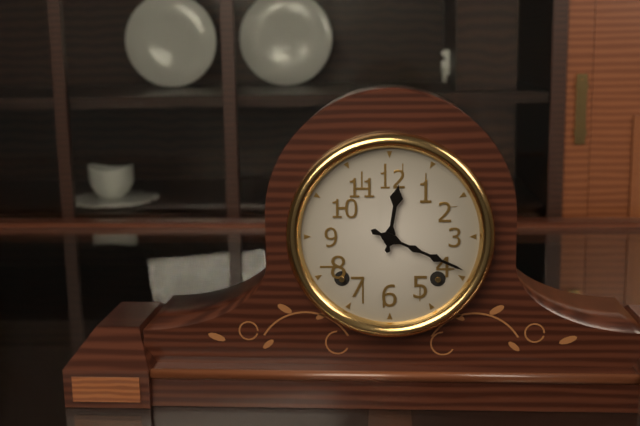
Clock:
12 h 19 min
